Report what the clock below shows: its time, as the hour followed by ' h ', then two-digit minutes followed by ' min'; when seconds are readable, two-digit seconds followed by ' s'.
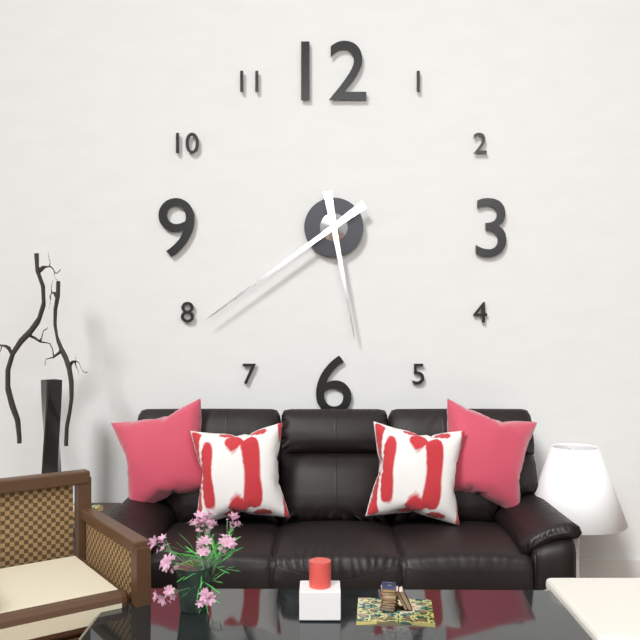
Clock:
5 h 39 min
